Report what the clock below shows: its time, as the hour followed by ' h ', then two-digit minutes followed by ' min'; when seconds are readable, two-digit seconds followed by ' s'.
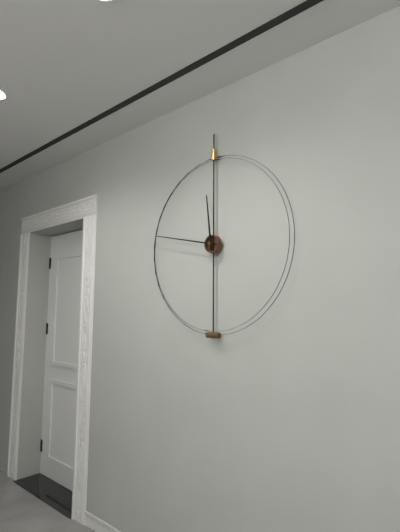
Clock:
11 h 47 min
